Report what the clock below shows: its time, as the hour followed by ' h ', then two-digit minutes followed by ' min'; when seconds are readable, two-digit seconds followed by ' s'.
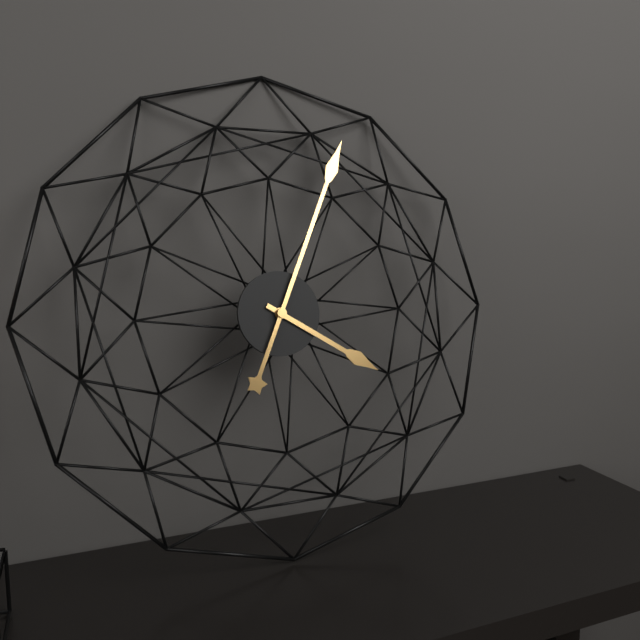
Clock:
4 h 04 min
